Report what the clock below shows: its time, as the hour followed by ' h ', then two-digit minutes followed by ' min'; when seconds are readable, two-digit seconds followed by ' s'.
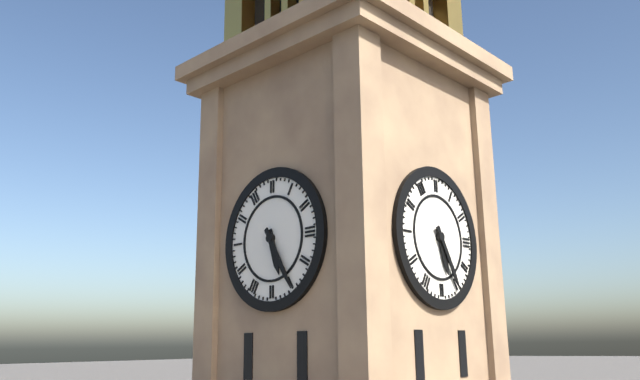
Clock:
5 h 25 min
